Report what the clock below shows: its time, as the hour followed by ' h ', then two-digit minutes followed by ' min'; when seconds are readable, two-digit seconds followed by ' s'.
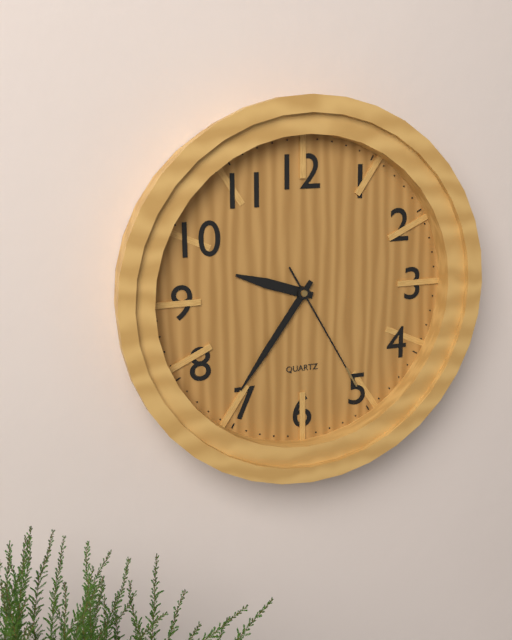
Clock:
9 h 36 min 25 s
